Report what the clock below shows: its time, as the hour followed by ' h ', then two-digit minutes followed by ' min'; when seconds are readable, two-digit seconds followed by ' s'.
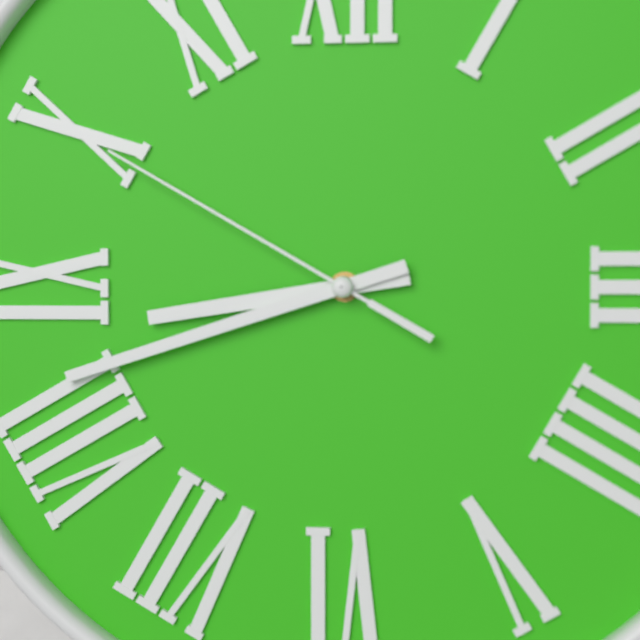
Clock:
8 h 42 min 50 s
